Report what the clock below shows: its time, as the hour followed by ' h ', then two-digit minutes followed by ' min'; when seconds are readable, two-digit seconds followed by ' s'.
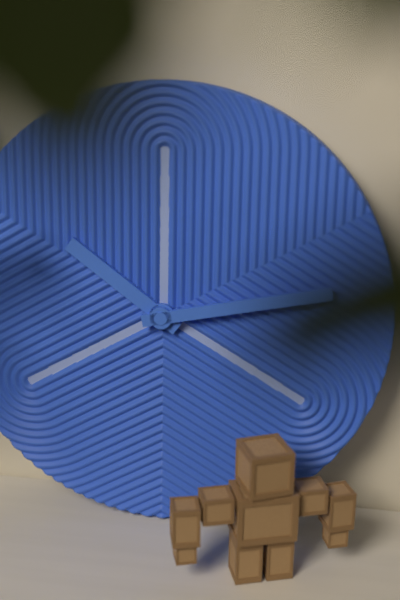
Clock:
10 h 13 min
